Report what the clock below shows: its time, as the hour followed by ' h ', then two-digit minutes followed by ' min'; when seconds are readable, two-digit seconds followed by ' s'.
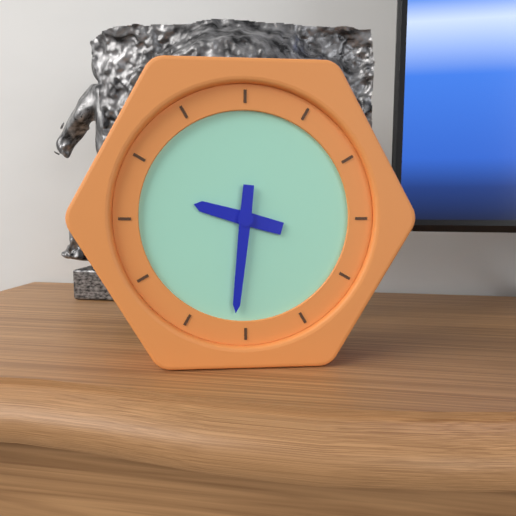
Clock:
9 h 31 min
